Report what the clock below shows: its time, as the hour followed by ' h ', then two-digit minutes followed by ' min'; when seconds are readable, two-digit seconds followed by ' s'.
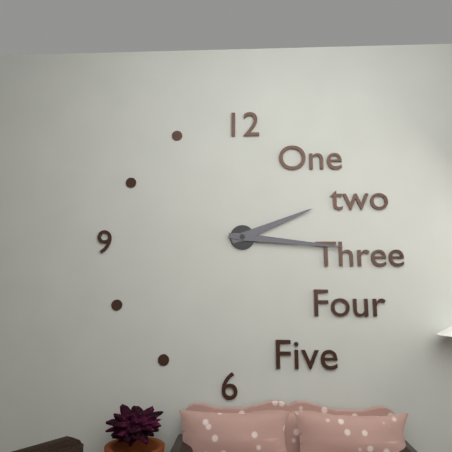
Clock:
2 h 16 min
